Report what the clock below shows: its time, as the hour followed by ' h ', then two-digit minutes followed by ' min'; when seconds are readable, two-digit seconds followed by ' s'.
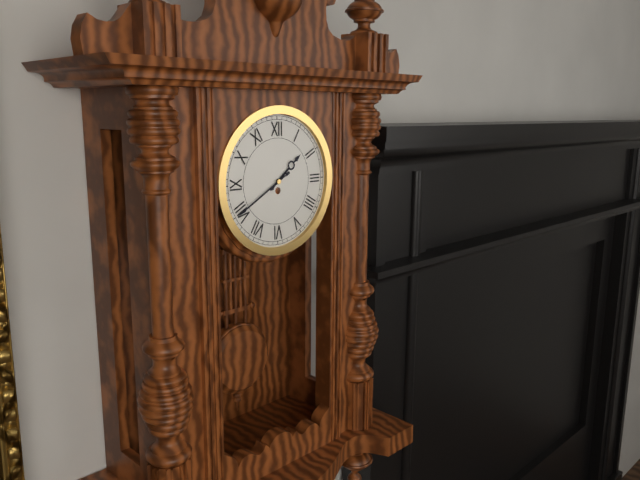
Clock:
1 h 40 min
